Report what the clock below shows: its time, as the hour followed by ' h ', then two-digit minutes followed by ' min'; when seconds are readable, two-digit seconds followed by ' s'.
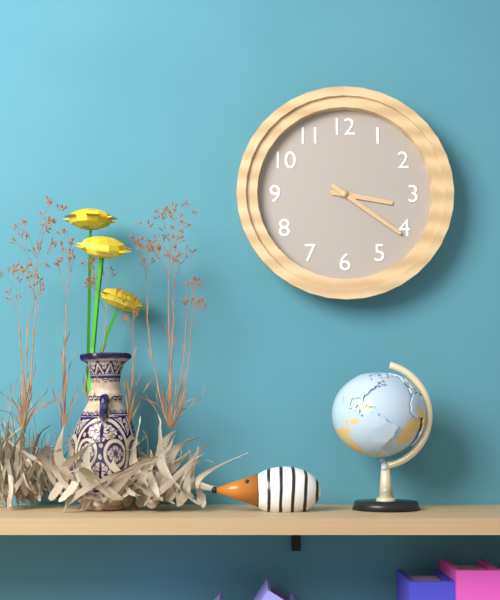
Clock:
3 h 21 min
